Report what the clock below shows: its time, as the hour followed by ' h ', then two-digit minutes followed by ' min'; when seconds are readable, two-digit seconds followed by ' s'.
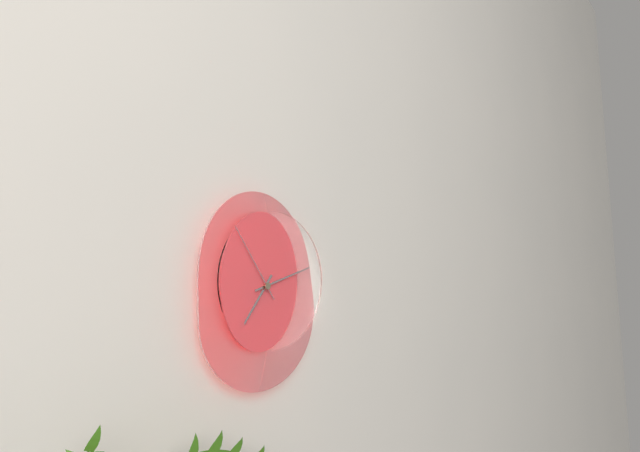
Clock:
7 h 12 min 54 s
